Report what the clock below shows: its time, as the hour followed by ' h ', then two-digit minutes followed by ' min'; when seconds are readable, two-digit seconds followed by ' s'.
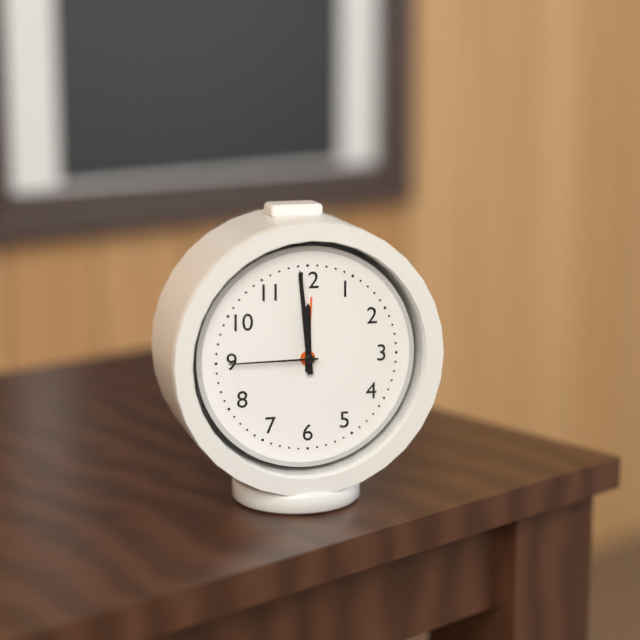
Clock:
11 h 59 min 45 s
